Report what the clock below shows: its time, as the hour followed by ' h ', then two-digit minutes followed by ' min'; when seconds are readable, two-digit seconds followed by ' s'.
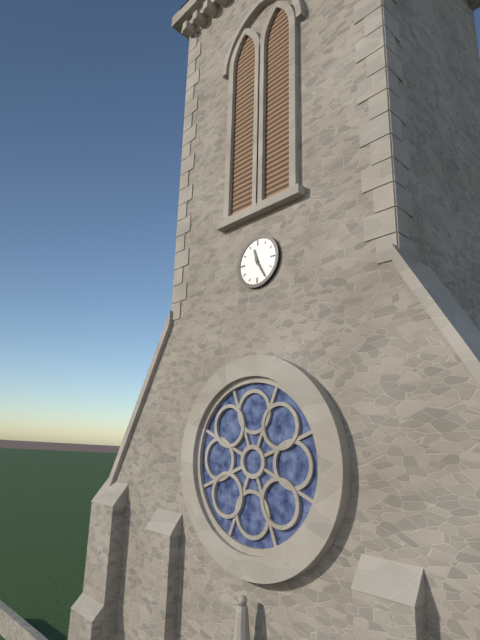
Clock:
11 h 25 min
